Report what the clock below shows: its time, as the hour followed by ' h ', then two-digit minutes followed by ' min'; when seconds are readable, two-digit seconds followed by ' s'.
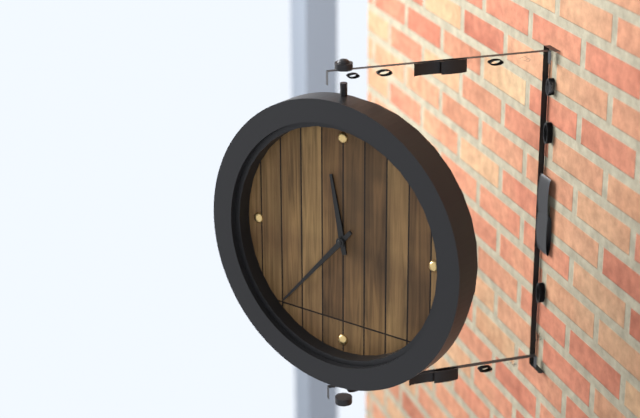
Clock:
11 h 37 min
